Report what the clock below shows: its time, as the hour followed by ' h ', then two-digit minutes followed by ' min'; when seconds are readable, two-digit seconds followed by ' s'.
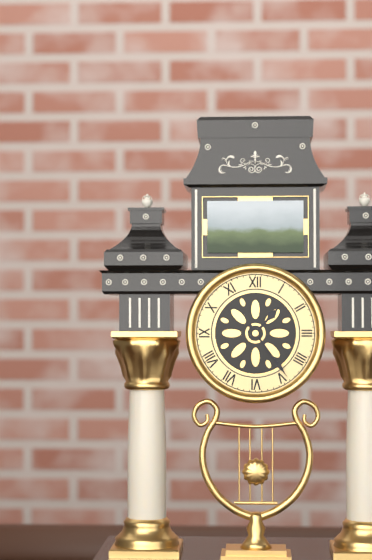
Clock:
1 h 24 min
